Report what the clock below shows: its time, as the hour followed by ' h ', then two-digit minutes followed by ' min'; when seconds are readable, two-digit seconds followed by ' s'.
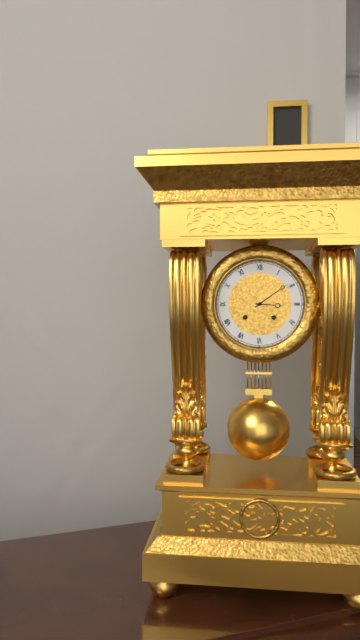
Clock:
3 h 09 min
